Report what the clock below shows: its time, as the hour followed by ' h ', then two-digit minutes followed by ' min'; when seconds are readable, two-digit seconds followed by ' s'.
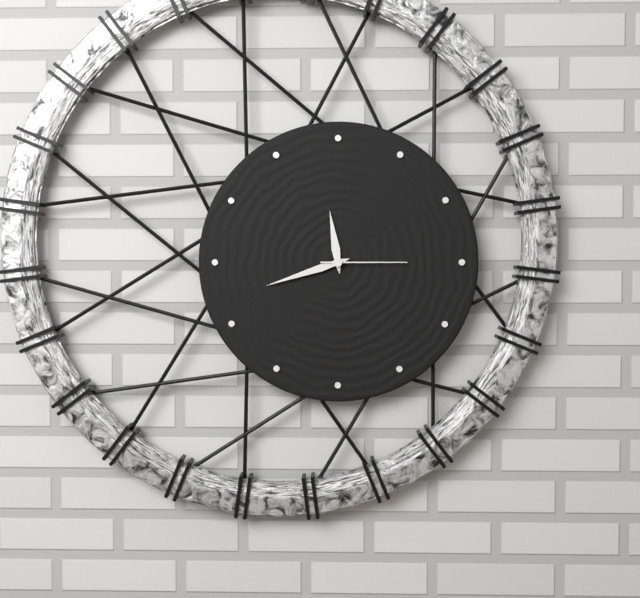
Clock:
11 h 42 min 15 s
